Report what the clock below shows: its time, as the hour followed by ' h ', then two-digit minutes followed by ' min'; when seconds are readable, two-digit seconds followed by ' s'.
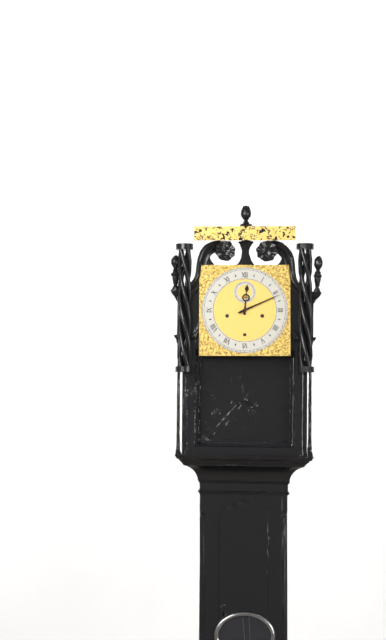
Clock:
12 h 11 min
